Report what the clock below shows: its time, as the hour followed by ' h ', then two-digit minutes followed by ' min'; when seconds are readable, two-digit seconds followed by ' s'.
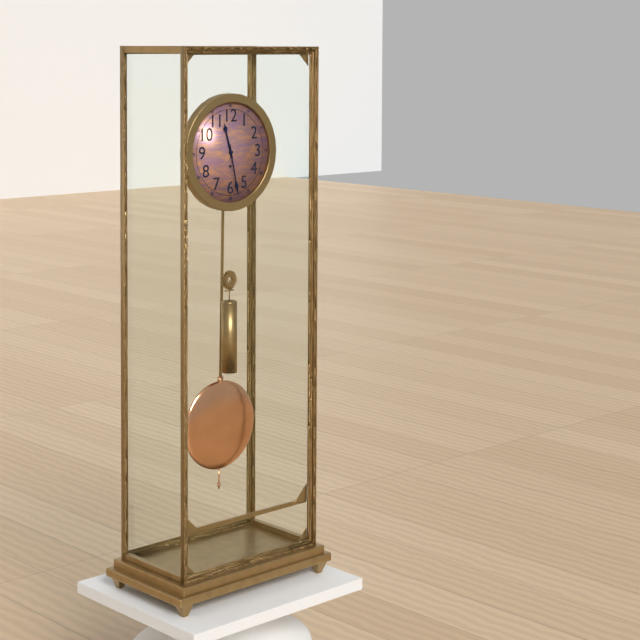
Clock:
11 h 28 min
